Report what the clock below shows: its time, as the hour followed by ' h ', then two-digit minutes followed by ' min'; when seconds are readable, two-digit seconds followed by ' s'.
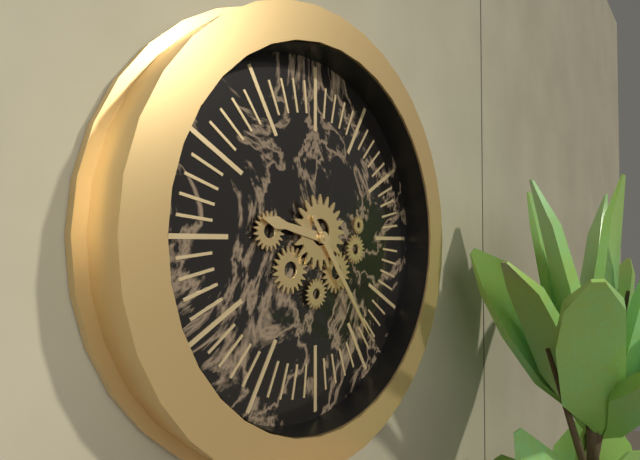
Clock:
9 h 24 min
